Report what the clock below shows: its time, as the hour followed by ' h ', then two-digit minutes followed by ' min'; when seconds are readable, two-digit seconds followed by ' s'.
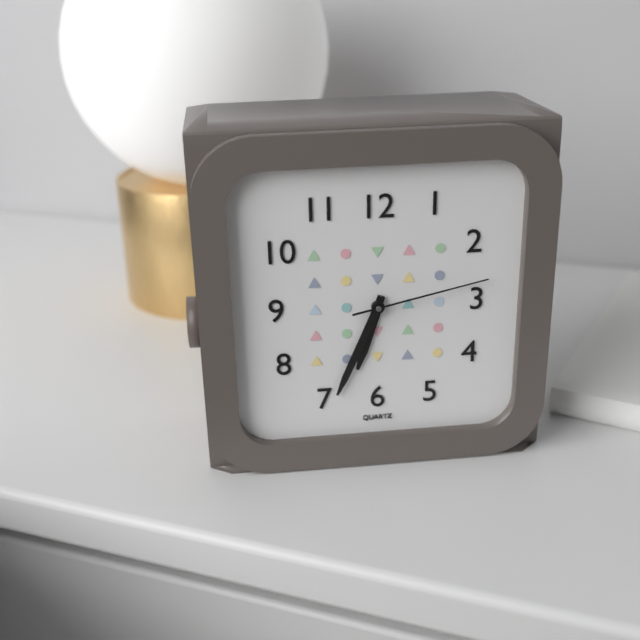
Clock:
6 h 34 min 13 s
